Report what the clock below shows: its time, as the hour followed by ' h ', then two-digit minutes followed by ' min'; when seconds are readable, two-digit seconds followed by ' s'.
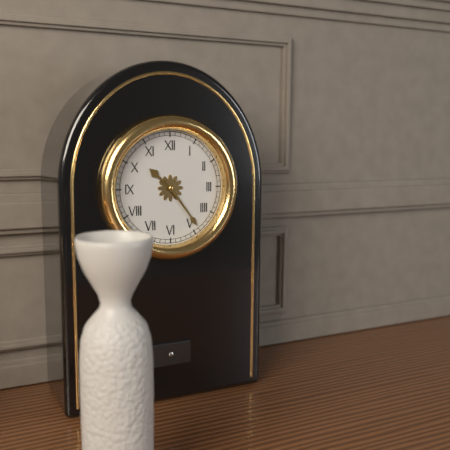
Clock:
10 h 24 min
